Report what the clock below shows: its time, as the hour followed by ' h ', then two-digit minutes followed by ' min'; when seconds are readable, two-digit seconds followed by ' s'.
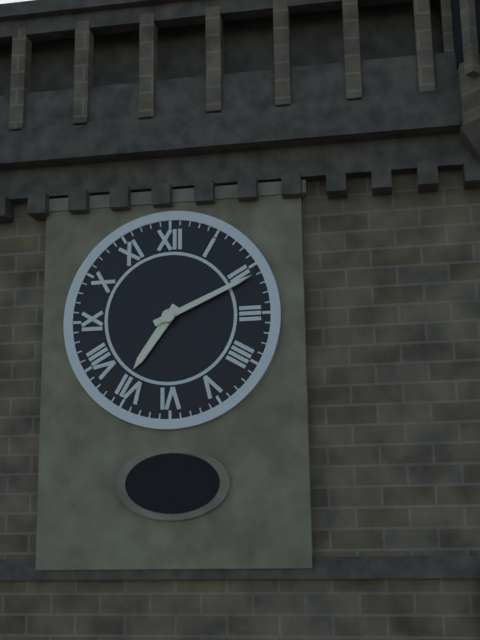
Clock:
7 h 11 min
